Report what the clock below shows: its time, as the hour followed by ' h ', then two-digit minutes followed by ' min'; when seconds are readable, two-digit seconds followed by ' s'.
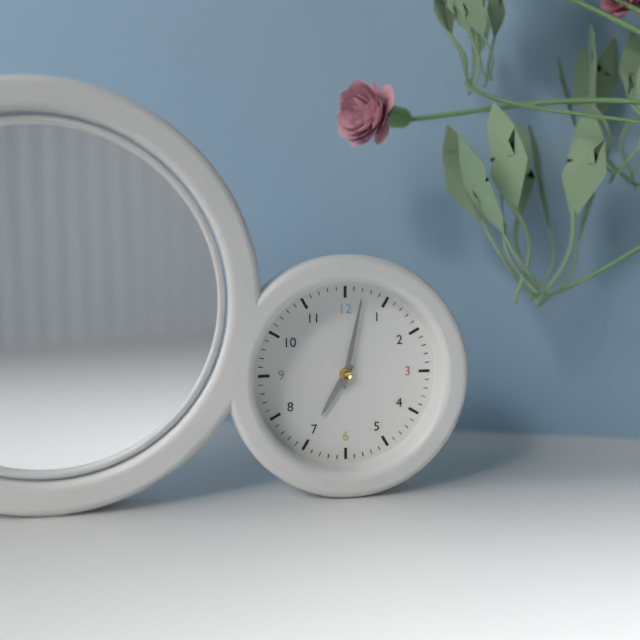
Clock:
7 h 02 min
